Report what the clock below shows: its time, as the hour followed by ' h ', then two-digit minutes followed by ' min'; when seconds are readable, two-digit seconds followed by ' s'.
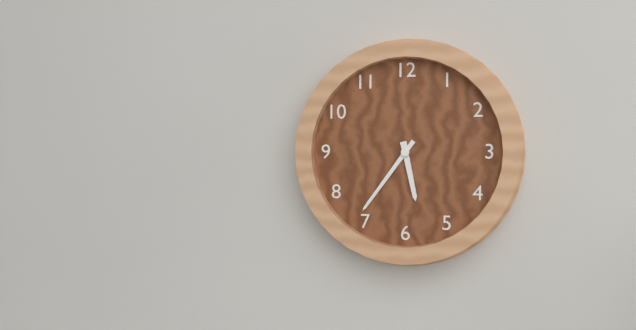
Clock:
5 h 36 min
